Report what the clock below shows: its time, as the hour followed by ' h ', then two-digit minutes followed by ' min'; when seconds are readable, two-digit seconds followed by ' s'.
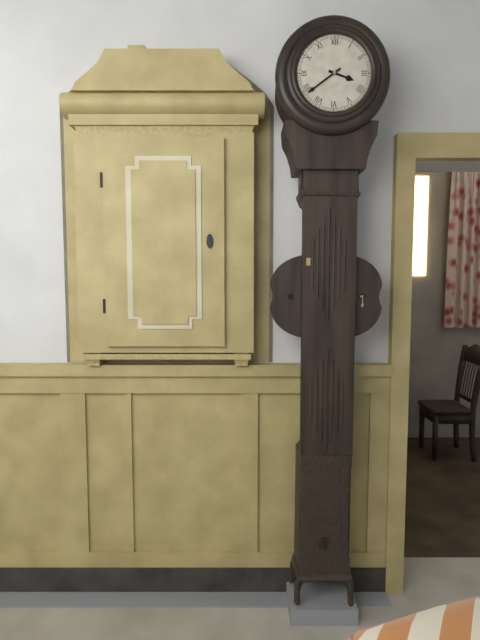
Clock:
3 h 39 min
